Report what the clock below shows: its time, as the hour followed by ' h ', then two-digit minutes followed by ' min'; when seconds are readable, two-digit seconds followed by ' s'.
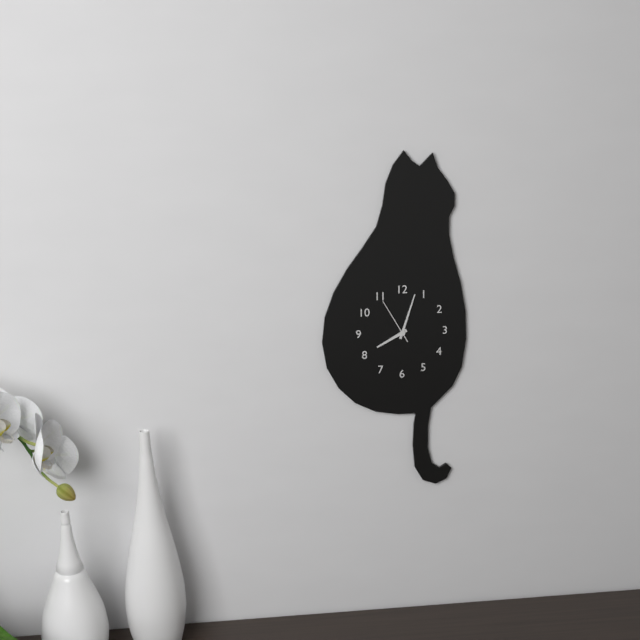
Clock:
8 h 03 min
